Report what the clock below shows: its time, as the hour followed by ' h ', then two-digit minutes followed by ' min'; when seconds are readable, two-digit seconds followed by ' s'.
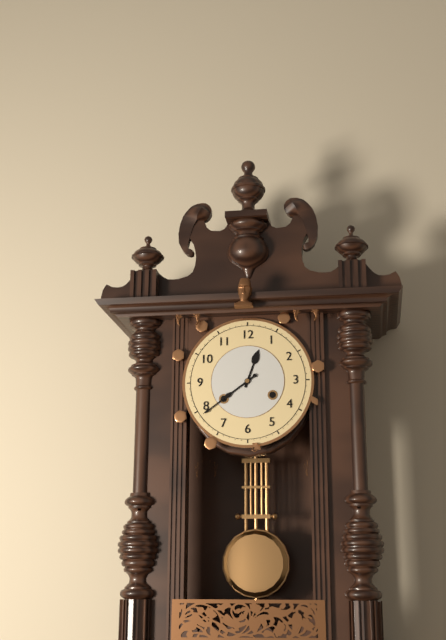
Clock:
12 h 39 min
